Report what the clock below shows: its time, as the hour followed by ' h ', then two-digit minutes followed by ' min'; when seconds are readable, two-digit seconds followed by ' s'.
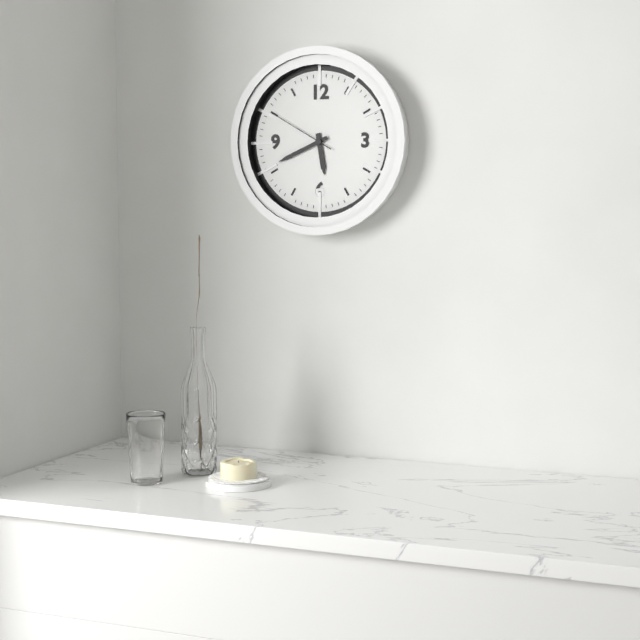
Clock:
5 h 41 min 50 s
